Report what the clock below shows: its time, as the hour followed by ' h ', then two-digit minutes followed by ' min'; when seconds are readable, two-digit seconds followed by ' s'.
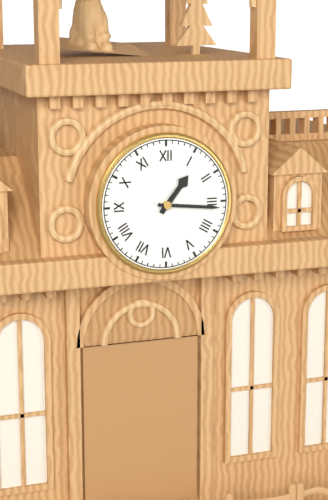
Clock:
1 h 16 min
